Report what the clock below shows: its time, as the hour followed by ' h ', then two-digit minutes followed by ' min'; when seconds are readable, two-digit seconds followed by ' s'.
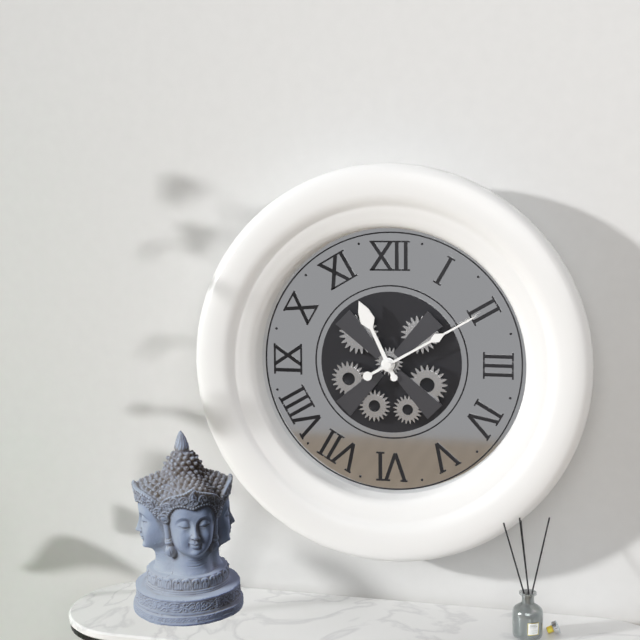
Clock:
11 h 10 min
